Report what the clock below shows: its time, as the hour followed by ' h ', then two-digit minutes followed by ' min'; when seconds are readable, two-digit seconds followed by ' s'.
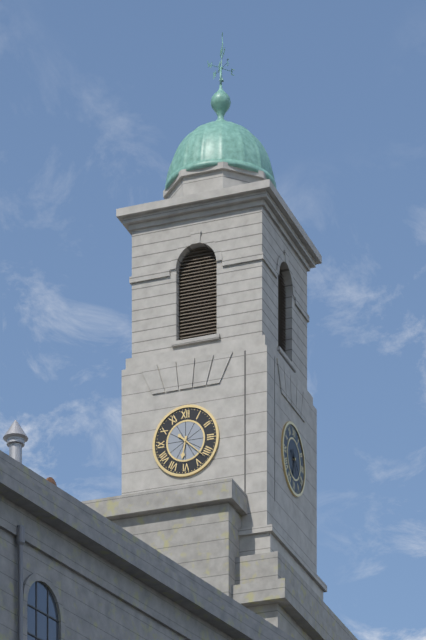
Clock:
6 h 22 min
